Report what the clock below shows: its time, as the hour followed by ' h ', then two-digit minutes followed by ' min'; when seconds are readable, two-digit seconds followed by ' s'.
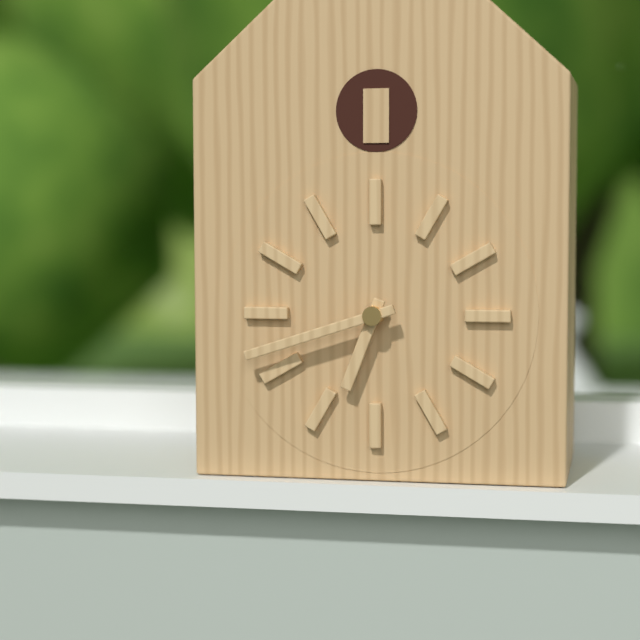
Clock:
6 h 42 min
